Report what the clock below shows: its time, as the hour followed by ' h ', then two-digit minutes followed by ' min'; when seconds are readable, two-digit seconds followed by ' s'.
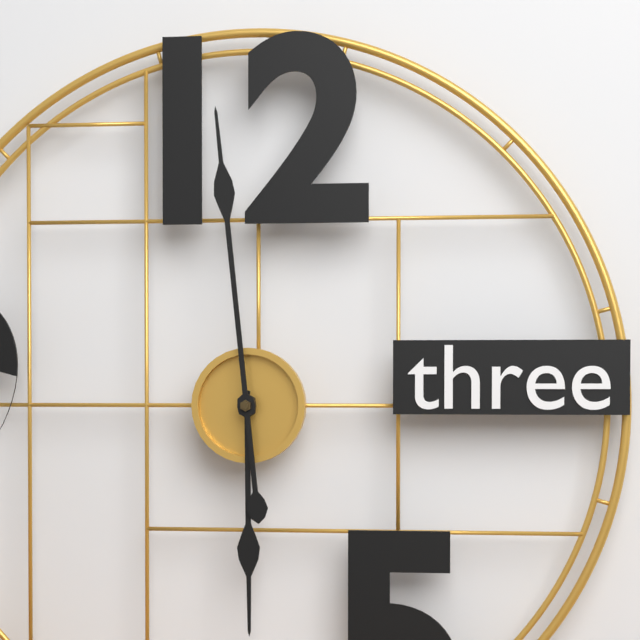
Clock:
5 h 59 min
